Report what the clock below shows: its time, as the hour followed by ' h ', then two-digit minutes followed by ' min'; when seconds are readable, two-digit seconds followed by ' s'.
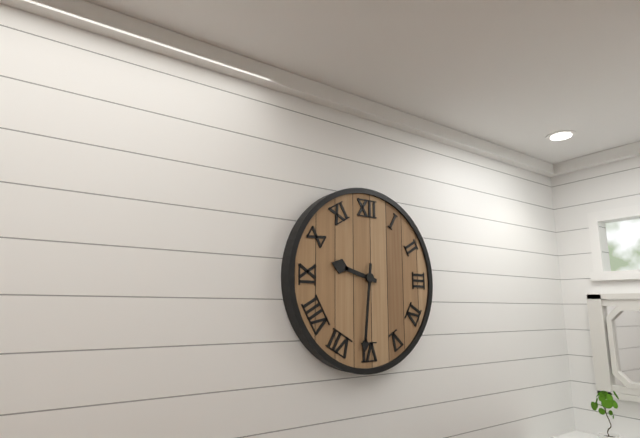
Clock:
9 h 31 min
